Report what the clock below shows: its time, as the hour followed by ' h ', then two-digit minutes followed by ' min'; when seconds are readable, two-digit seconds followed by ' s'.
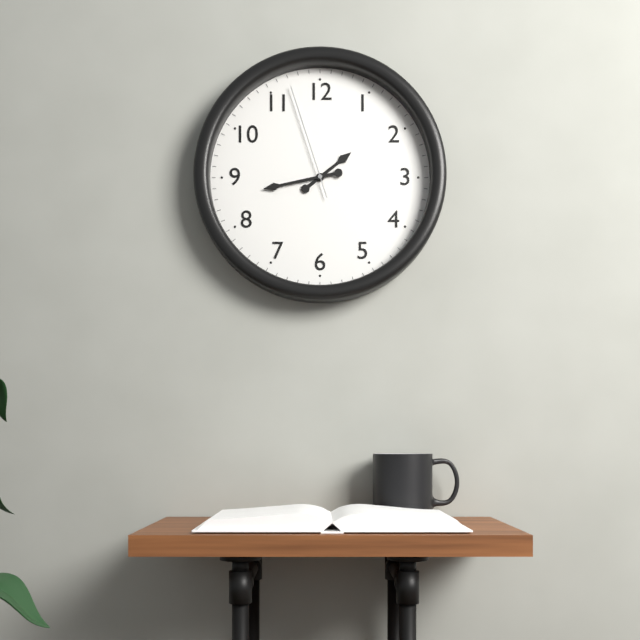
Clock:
1 h 43 min 57 s
